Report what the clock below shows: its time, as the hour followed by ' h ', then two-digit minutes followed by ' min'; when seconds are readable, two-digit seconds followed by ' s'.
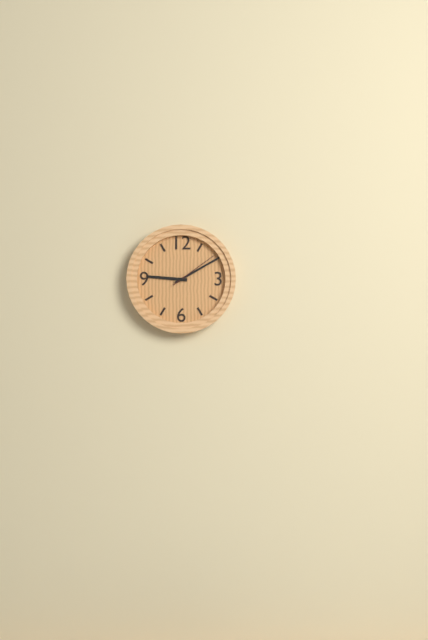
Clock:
9 h 10 min 09 s
